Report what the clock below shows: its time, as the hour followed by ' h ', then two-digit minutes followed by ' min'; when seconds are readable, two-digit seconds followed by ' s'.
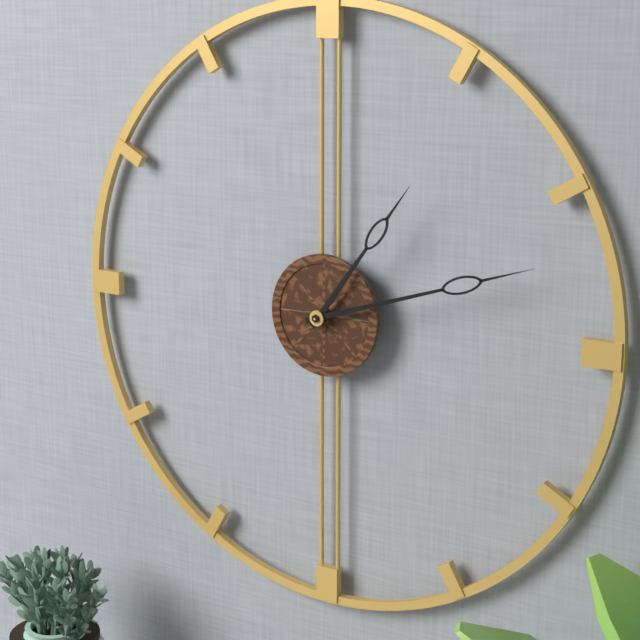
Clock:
1 h 12 min
